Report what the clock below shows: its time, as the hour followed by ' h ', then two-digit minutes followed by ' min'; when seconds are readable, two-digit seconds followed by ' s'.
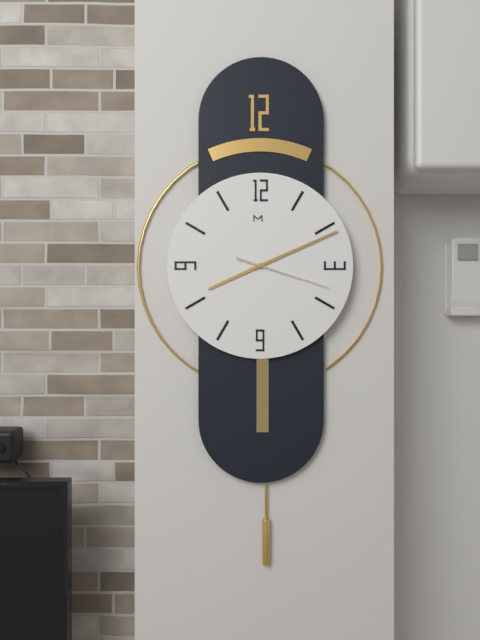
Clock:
8 h 11 min 18 s
